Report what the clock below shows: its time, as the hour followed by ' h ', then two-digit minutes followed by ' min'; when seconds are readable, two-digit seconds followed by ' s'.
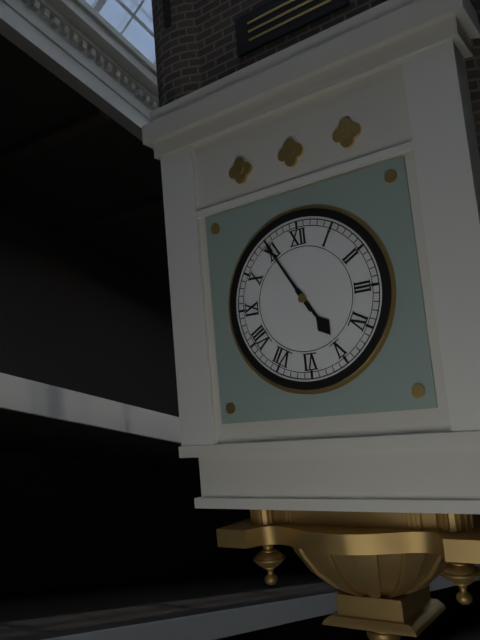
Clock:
4 h 55 min
